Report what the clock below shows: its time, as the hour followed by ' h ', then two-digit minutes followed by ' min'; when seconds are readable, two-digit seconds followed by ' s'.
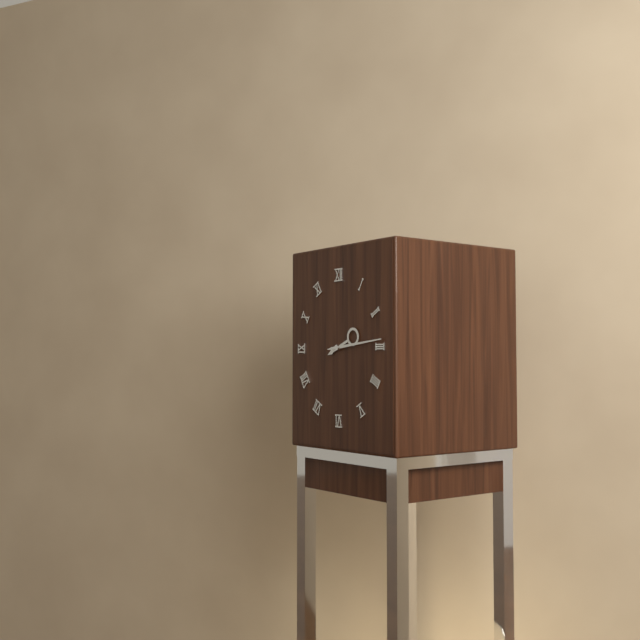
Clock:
2 h 14 min
